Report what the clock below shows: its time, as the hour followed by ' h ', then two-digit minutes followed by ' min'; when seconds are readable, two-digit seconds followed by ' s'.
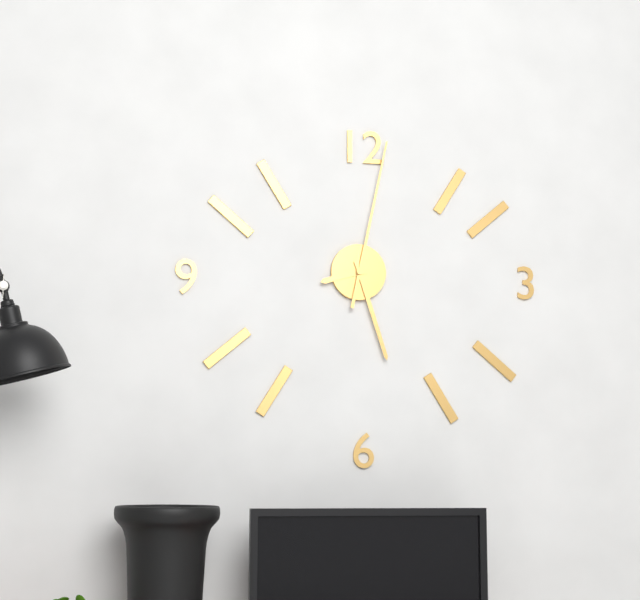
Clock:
8 h 27 min 02 s
